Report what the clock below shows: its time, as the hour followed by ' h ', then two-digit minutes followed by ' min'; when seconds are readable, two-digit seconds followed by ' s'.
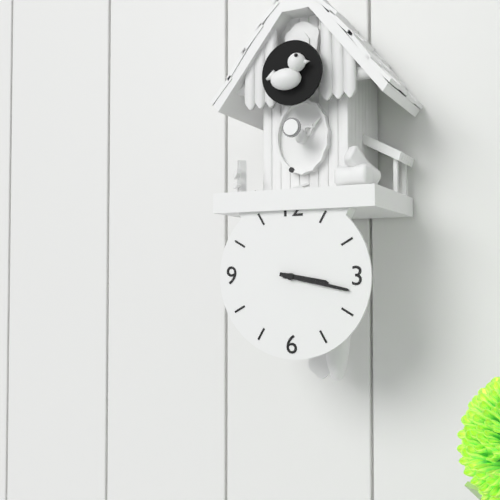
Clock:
3 h 17 min
